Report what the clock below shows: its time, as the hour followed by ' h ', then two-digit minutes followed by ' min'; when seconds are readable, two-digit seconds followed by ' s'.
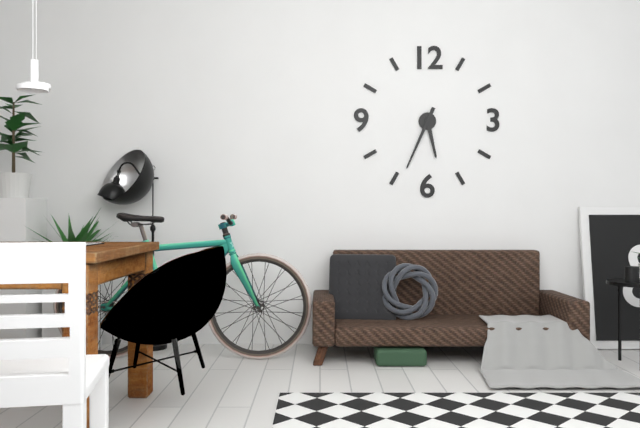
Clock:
5 h 34 min
